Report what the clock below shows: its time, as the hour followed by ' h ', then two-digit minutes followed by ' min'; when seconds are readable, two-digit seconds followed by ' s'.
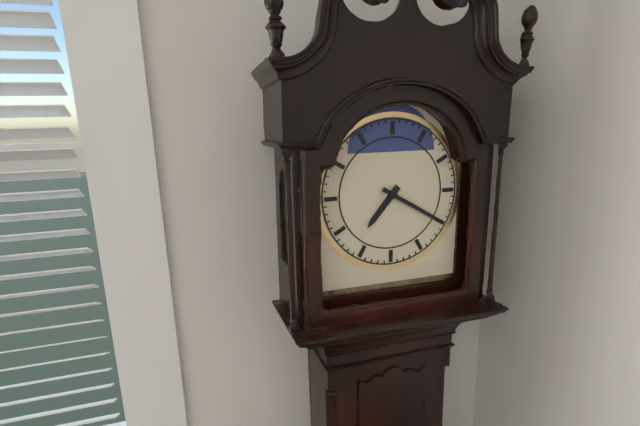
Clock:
7 h 20 min
